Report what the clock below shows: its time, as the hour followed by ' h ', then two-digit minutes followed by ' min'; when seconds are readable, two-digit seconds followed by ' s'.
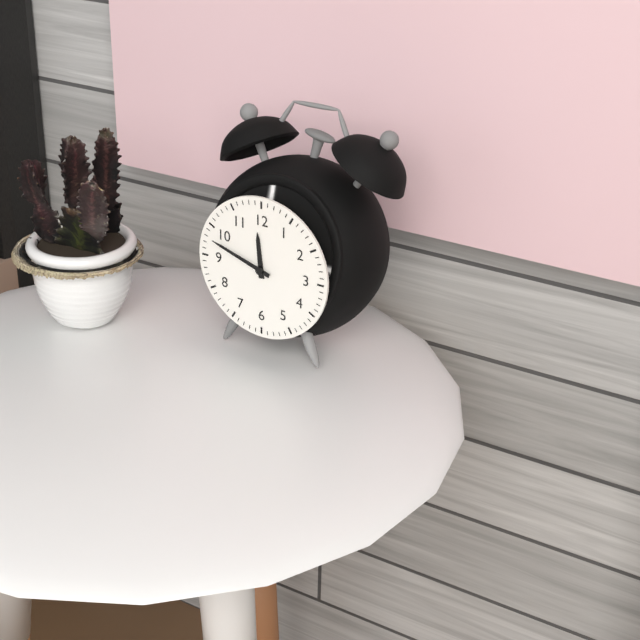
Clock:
11 h 48 min
